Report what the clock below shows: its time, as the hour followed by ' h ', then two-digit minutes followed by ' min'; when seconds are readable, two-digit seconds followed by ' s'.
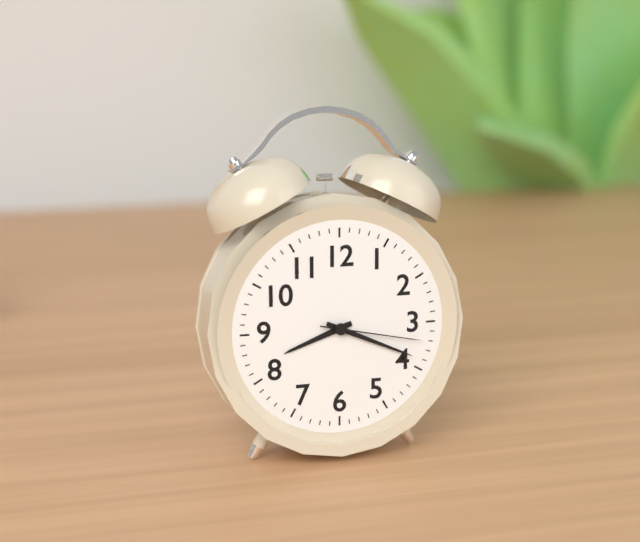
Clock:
8 h 19 min 17 s
